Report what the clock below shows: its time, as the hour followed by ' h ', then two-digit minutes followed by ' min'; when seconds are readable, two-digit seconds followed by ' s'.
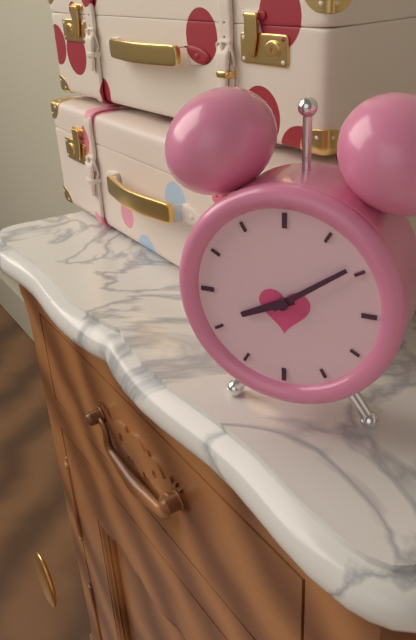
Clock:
8 h 09 min
